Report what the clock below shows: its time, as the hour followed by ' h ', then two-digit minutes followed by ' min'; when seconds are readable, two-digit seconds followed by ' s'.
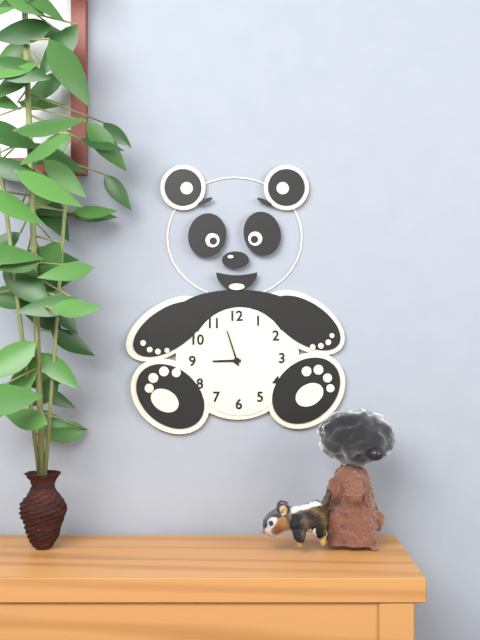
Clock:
8 h 57 min
